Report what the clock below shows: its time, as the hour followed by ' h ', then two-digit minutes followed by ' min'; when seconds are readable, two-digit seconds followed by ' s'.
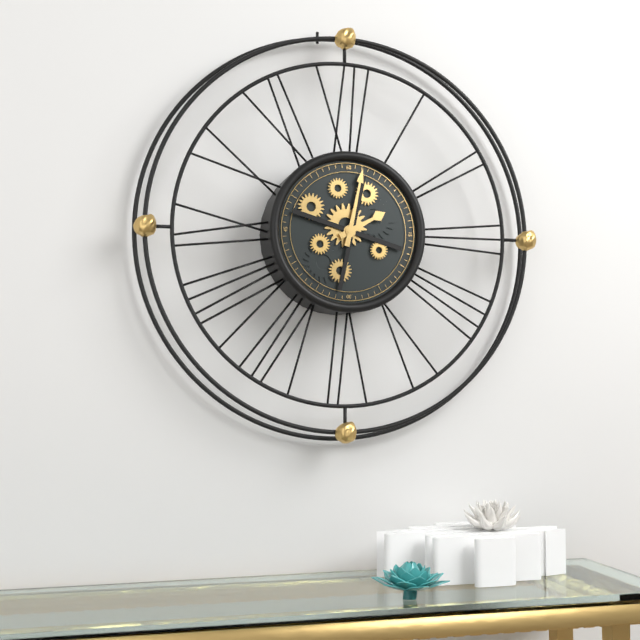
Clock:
2 h 02 min
